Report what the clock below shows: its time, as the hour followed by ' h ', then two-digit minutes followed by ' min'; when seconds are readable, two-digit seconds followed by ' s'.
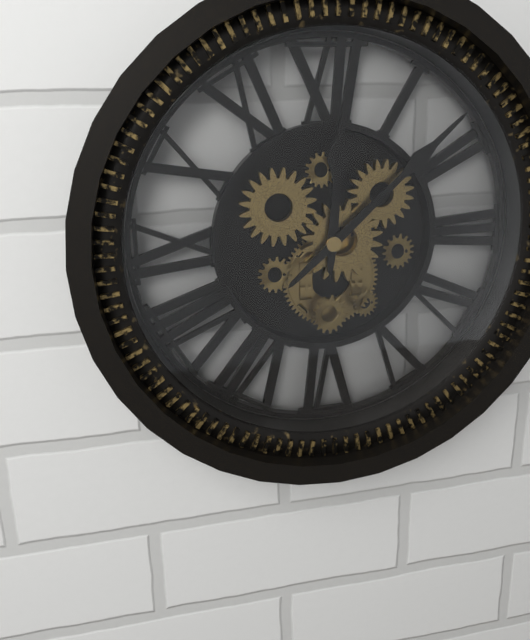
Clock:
12 h 08 min
